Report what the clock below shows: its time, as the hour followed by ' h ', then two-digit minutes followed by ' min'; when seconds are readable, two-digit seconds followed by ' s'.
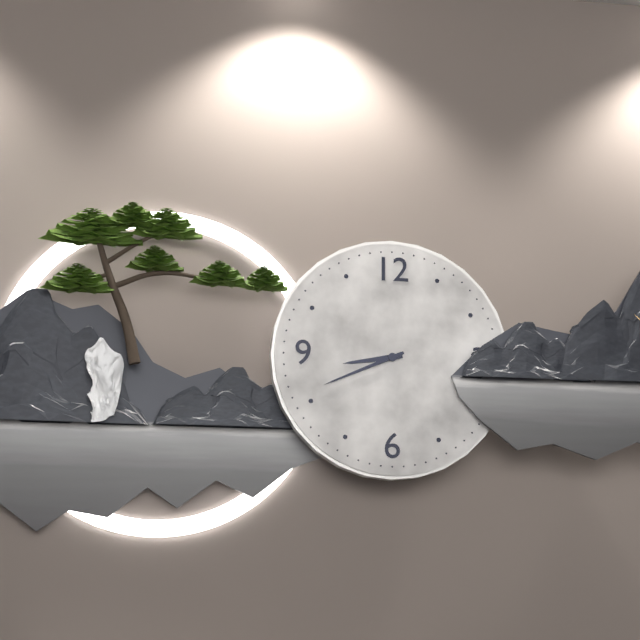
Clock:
8 h 41 min
